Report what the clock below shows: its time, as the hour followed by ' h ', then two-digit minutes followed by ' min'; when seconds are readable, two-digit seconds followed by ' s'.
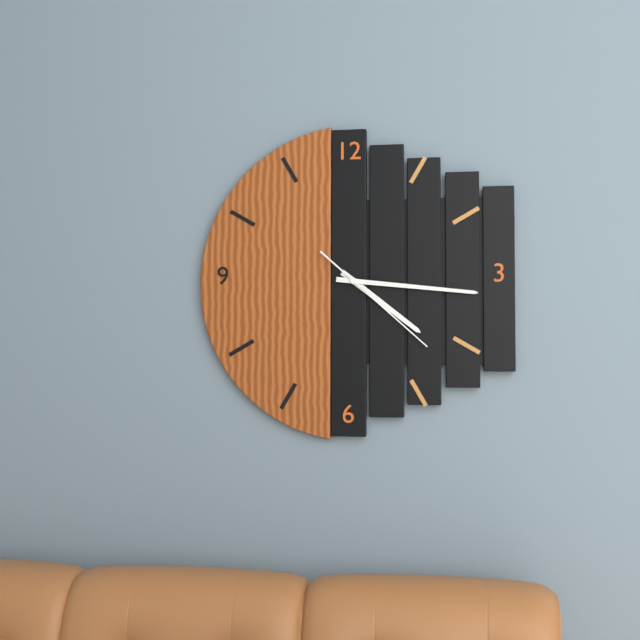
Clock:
4 h 16 min 22 s
